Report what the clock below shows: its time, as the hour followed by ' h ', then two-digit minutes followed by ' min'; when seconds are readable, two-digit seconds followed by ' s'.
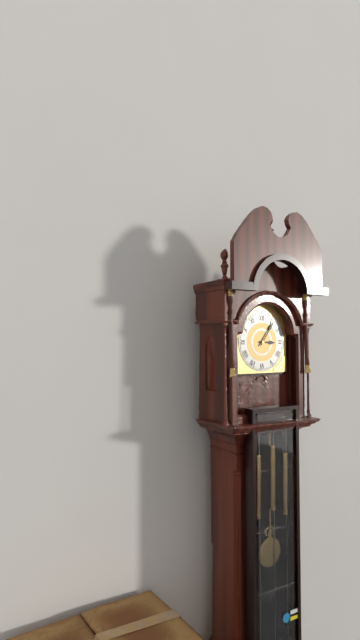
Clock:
3 h 06 min
